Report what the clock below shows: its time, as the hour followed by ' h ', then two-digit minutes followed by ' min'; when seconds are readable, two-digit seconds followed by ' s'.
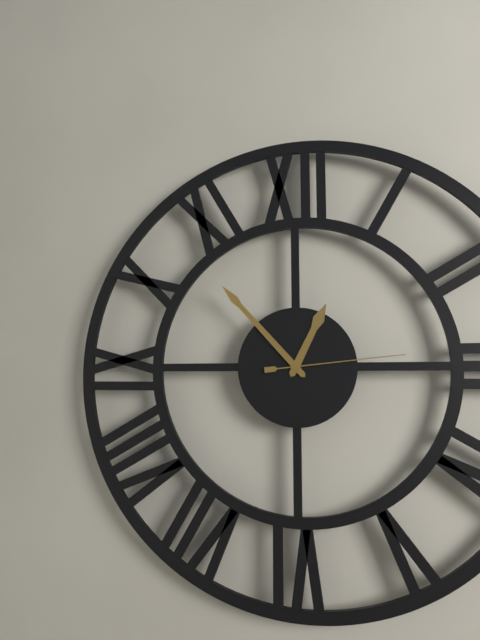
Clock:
12 h 53 min 14 s
